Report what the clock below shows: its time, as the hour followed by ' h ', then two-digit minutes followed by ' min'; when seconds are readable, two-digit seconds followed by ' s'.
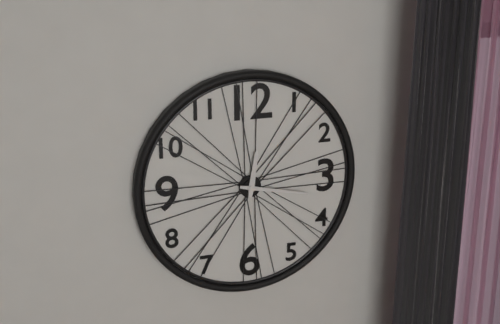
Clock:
12 h 17 min
